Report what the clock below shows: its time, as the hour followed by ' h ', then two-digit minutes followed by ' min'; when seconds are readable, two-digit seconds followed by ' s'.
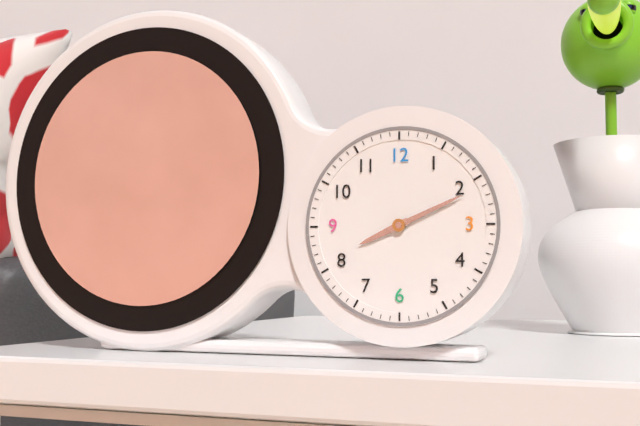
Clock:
8 h 11 min
